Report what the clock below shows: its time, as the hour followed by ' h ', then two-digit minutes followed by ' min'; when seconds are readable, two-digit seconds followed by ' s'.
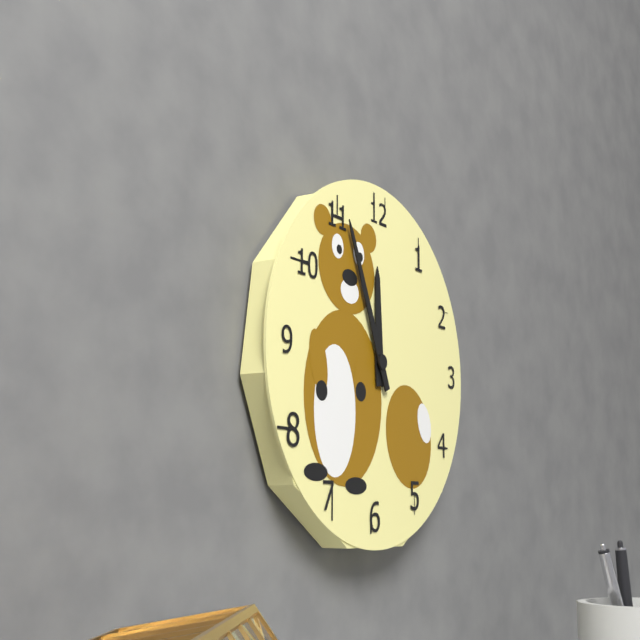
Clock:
11 h 56 min
